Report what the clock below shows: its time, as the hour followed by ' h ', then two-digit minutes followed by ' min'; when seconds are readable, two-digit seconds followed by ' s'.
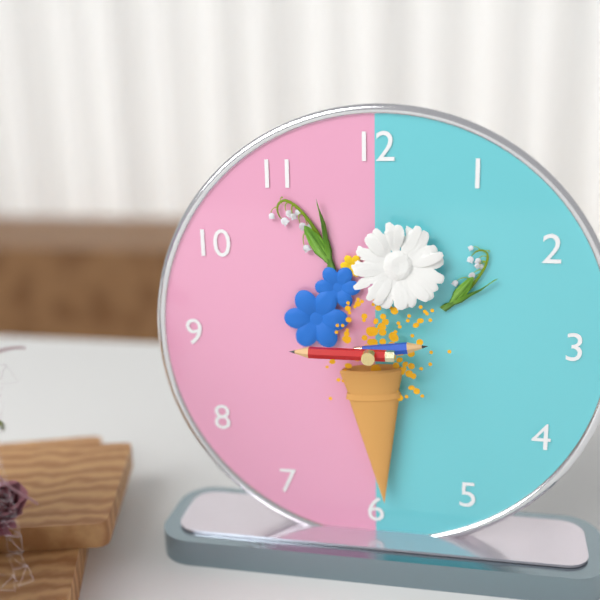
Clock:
2 h 45 min
